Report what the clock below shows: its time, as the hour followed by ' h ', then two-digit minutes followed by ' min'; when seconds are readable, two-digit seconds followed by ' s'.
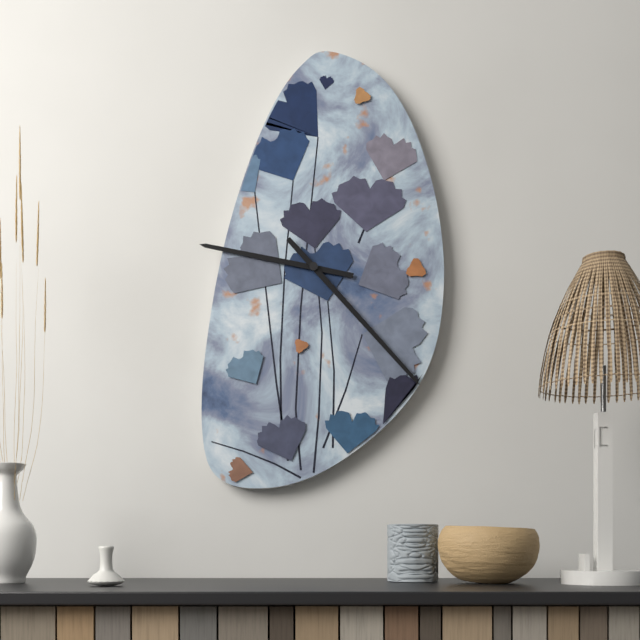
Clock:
9 h 23 min
